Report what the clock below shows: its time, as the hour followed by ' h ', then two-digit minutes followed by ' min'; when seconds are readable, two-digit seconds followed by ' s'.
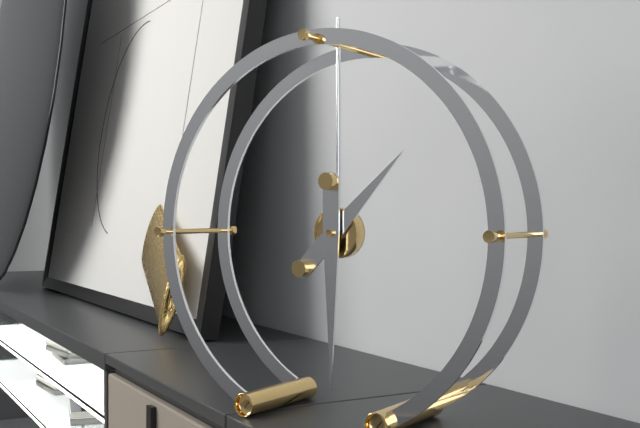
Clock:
1 h 30 min
